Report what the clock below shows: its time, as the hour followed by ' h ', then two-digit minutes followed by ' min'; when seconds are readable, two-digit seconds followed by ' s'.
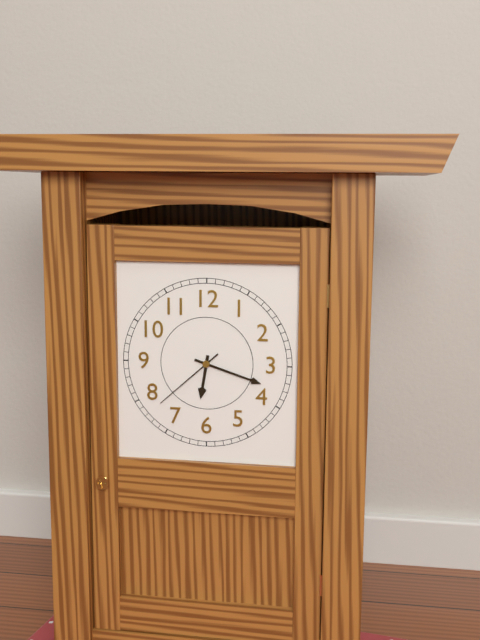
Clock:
6 h 18 min 38 s
